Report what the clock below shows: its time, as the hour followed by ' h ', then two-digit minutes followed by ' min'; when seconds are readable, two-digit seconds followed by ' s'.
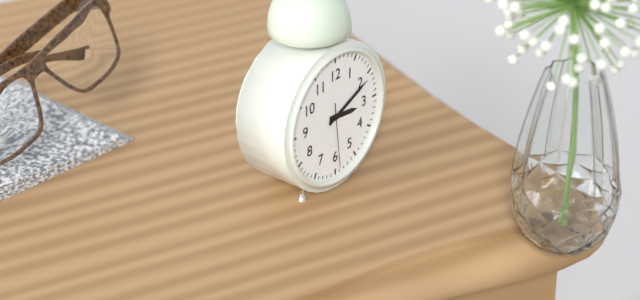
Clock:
3 h 11 min 29 s
